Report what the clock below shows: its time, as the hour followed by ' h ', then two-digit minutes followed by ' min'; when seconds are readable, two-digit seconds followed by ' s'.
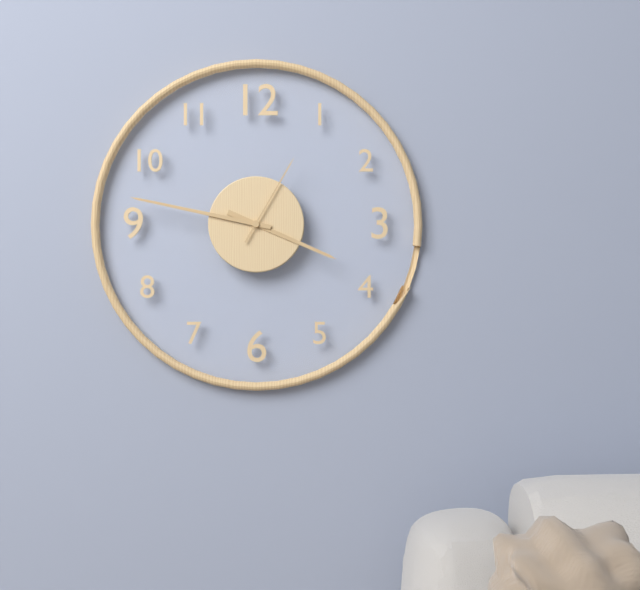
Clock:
3 h 47 min 05 s
